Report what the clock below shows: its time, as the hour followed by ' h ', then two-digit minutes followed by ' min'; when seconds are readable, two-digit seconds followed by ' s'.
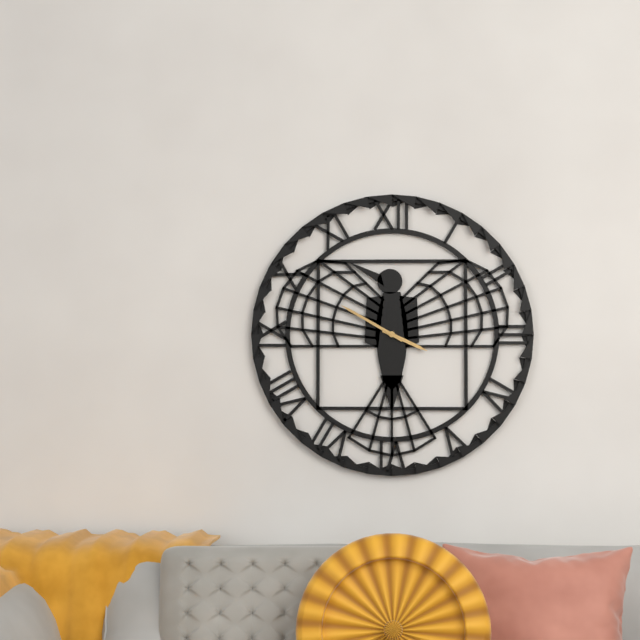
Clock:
3 h 50 min
